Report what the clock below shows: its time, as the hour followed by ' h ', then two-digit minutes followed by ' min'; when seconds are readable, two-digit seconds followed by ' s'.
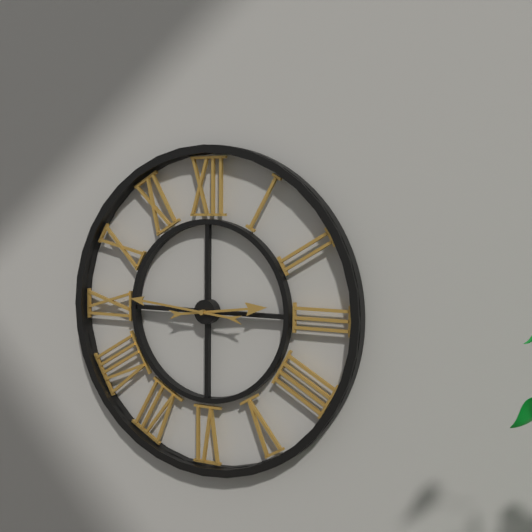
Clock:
2 h 46 min
